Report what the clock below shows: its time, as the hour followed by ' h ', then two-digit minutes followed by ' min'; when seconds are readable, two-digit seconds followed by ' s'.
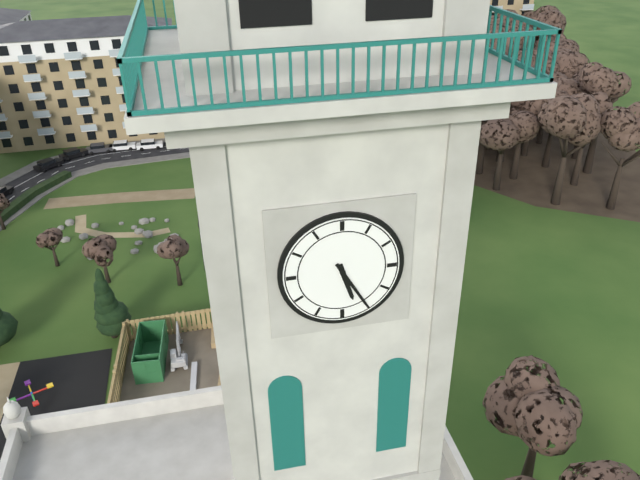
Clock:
5 h 25 min
